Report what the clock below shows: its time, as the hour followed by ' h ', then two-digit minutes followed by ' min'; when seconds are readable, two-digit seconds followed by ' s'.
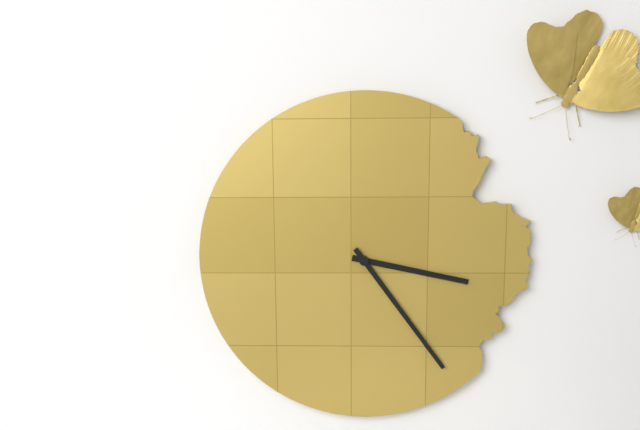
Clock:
3 h 24 min
